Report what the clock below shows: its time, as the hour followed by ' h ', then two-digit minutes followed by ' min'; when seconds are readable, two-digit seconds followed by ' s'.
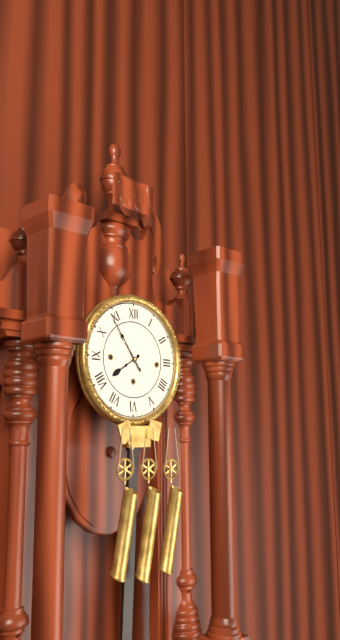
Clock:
7 h 54 min
